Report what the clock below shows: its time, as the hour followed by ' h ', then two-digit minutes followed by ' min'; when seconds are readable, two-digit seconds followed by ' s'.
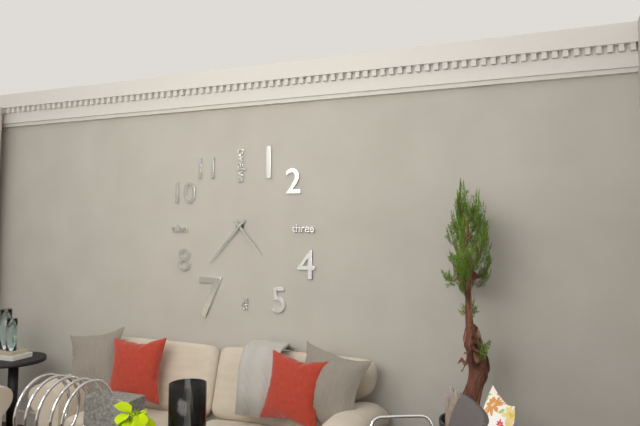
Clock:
4 h 37 min
